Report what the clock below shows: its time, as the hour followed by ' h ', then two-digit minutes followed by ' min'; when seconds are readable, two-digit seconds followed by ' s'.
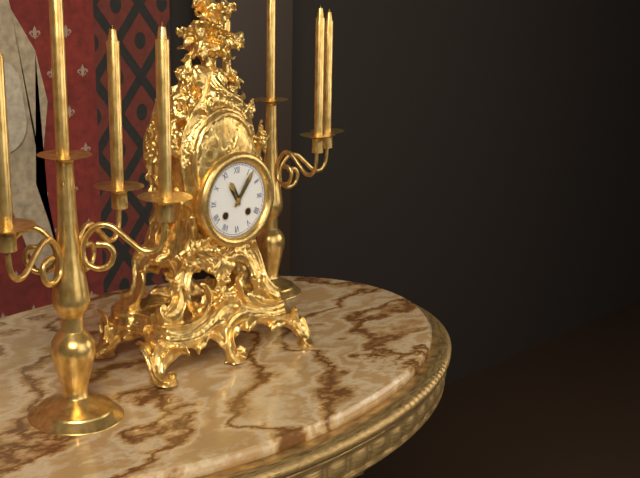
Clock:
11 h 06 min
